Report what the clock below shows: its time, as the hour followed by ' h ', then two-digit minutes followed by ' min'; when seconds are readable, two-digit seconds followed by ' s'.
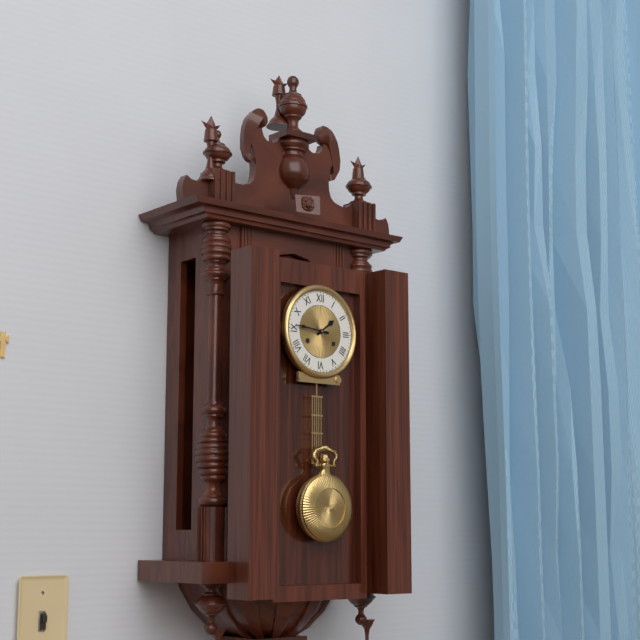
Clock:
1 h 46 min
